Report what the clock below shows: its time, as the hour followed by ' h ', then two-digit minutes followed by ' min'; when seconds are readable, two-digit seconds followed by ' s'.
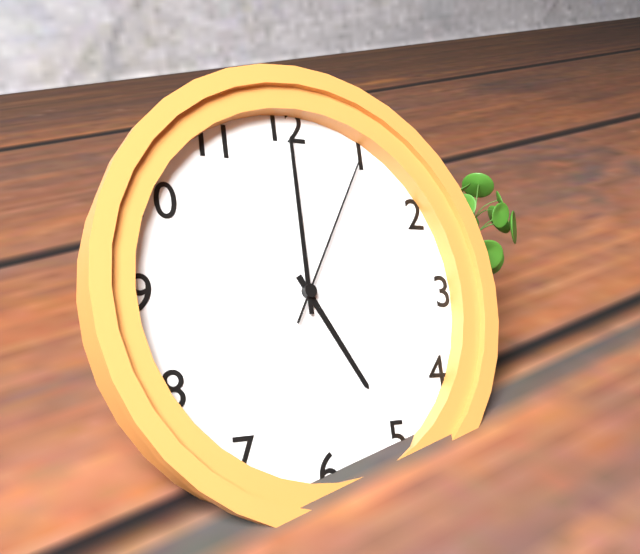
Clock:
5 h 00 min 05 s
